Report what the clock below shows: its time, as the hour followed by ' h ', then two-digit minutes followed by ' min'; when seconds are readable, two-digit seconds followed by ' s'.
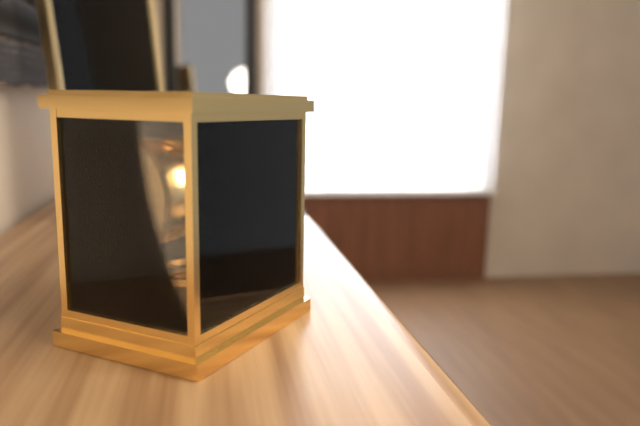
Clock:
4 h 05 min
